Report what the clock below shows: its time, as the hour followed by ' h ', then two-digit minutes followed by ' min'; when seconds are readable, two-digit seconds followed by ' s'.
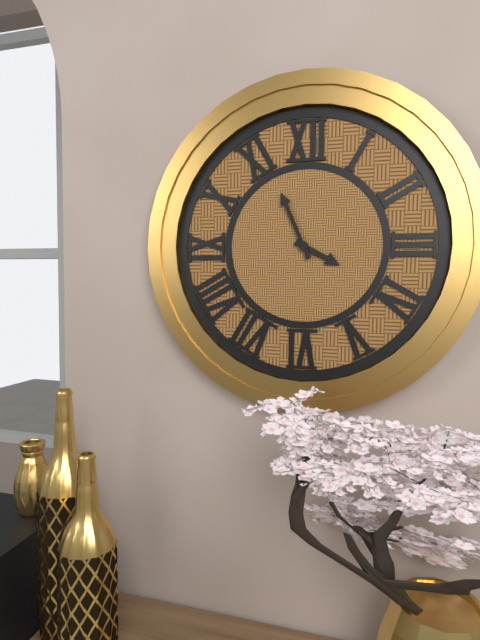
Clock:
3 h 56 min
